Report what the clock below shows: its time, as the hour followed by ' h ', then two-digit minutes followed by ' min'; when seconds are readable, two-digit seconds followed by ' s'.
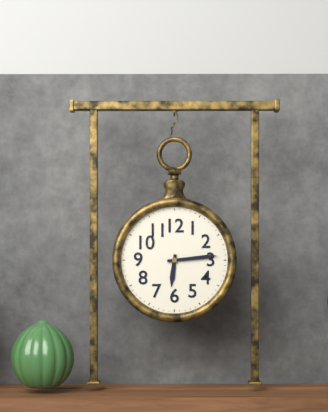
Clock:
6 h 14 min
